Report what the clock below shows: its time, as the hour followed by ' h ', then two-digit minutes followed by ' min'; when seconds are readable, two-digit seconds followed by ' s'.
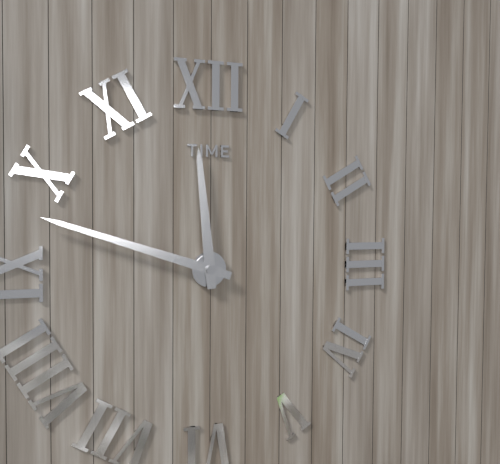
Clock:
11 h 48 min
